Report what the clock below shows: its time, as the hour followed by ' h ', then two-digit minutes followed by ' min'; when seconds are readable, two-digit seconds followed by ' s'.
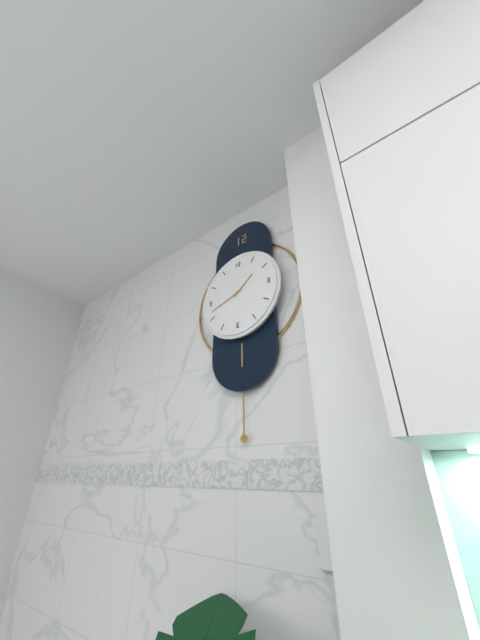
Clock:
1 h 42 min
